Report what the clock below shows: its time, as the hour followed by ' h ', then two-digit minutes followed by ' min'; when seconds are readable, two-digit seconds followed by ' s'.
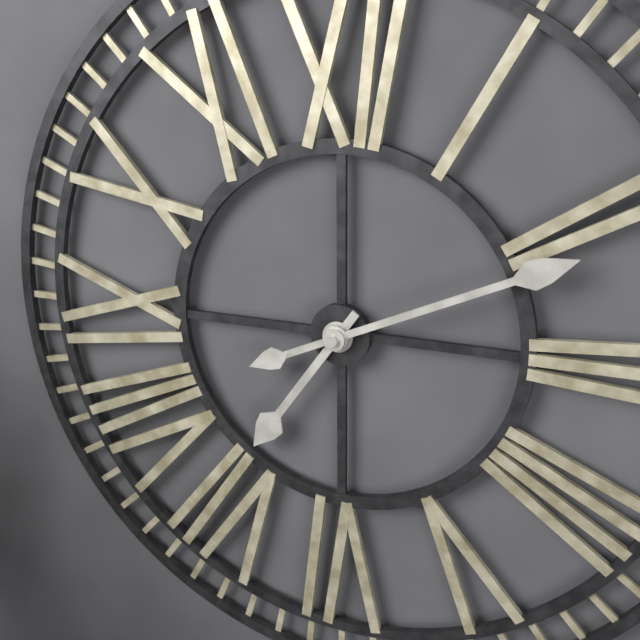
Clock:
7 h 11 min
